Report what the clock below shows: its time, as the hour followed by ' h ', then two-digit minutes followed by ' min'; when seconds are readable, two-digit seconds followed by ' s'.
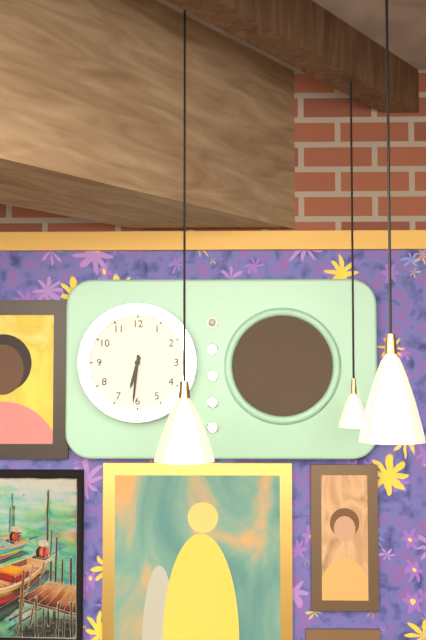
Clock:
6 h 31 min
